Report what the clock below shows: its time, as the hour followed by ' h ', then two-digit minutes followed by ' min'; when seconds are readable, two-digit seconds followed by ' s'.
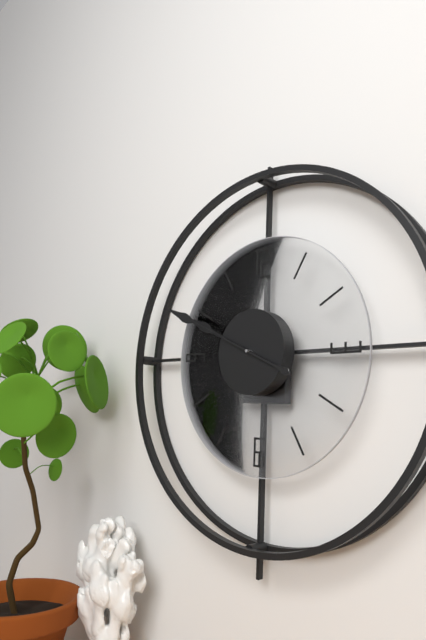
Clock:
9 h 49 min
